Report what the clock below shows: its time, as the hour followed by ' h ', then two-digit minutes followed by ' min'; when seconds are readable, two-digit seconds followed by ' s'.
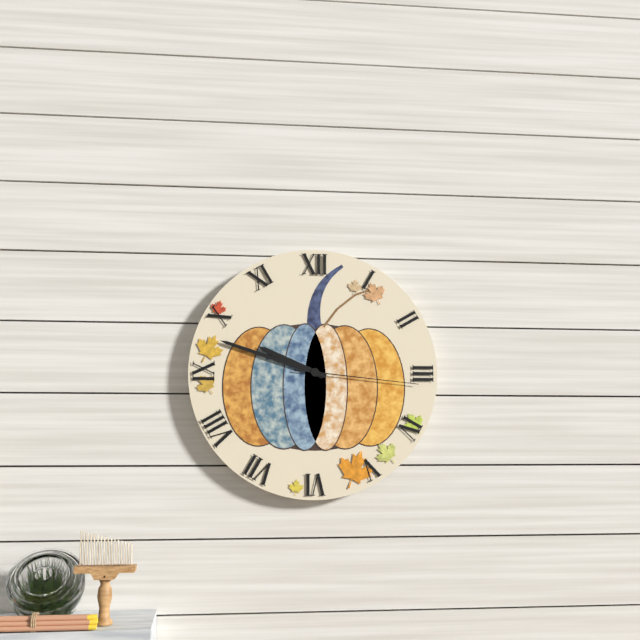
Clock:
9 h 48 min 16 s
